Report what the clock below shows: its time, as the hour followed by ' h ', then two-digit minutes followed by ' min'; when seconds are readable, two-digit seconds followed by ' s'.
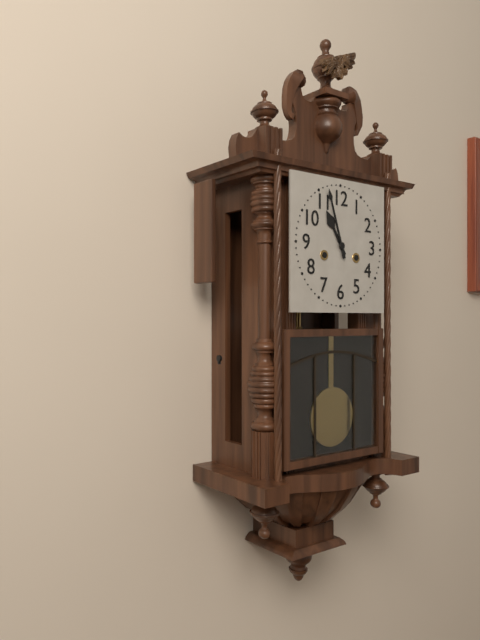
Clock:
10 h 57 min
